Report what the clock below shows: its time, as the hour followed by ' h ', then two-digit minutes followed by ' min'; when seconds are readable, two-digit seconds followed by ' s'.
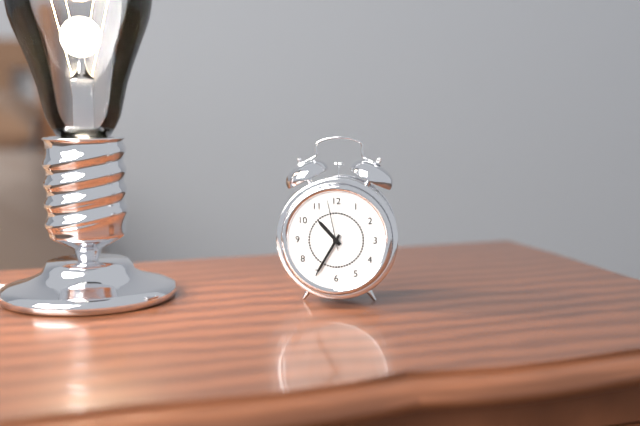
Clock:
10 h 35 min 58 s
